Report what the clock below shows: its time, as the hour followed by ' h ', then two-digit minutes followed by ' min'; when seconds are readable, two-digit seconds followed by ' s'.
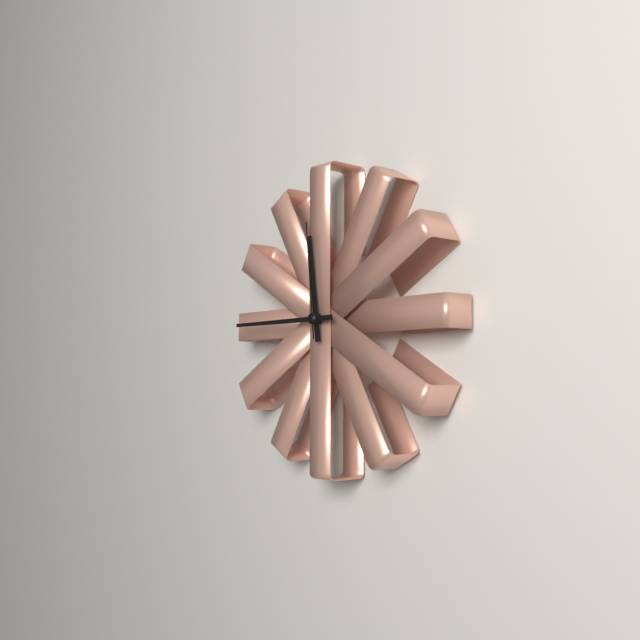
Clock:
11 h 45 min 59 s
